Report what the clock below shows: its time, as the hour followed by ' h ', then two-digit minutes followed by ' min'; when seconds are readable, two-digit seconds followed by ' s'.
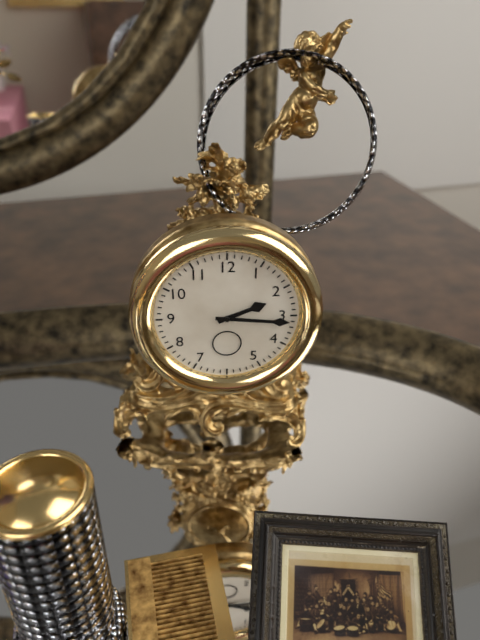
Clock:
2 h 16 min
